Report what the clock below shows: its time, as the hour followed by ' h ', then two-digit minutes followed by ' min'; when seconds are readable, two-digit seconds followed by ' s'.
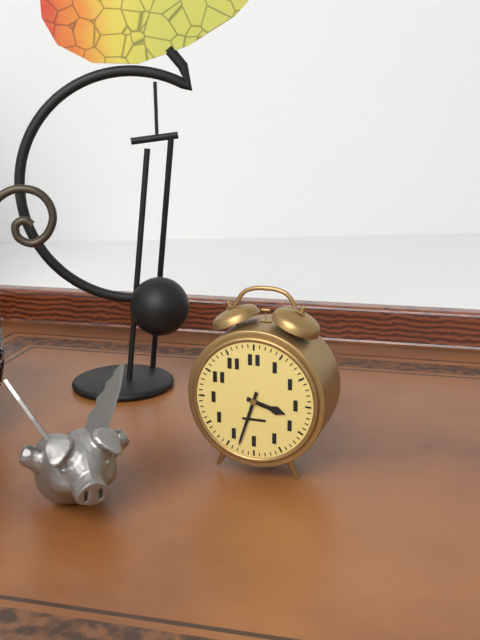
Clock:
3 h 33 min
